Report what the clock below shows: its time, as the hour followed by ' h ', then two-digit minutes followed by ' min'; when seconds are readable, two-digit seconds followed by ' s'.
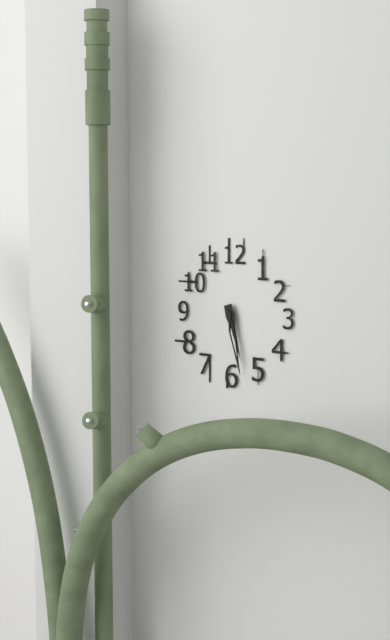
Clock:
5 h 28 min
